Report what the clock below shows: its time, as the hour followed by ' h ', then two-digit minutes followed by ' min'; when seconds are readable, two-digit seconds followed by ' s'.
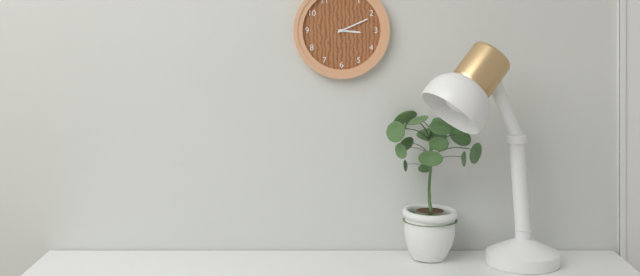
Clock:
3 h 11 min
